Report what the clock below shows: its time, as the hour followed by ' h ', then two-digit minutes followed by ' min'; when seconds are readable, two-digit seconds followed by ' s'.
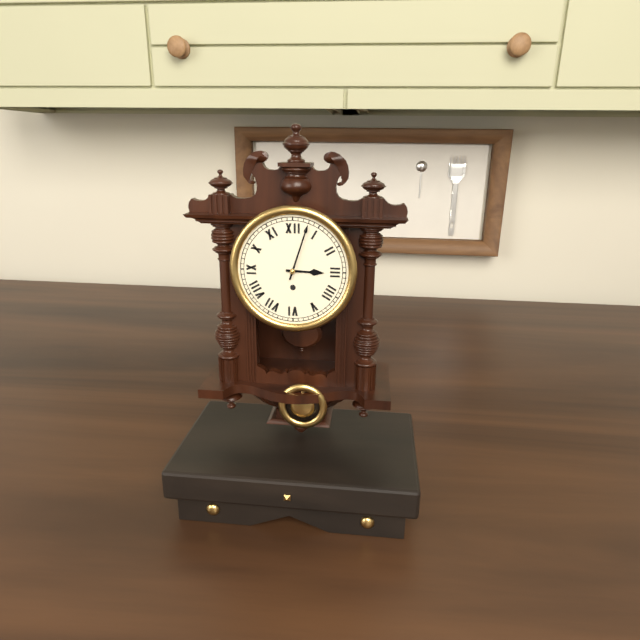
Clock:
3 h 03 min
